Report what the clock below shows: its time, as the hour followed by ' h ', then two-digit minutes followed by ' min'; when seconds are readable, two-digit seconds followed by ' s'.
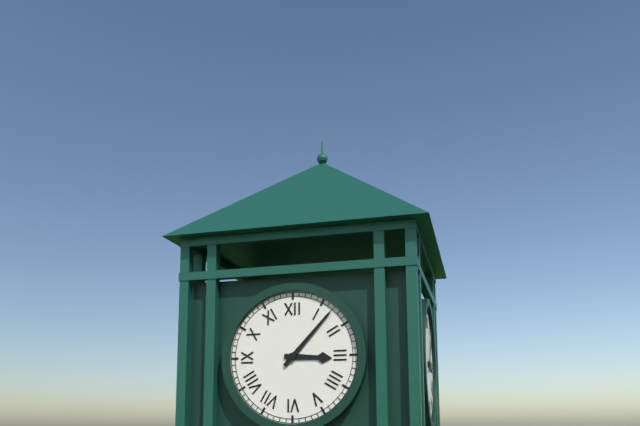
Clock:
3 h 07 min
